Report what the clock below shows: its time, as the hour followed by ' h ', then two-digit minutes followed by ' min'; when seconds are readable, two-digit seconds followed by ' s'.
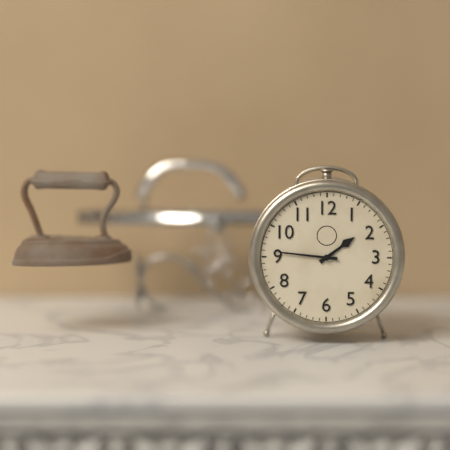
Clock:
1 h 46 min
